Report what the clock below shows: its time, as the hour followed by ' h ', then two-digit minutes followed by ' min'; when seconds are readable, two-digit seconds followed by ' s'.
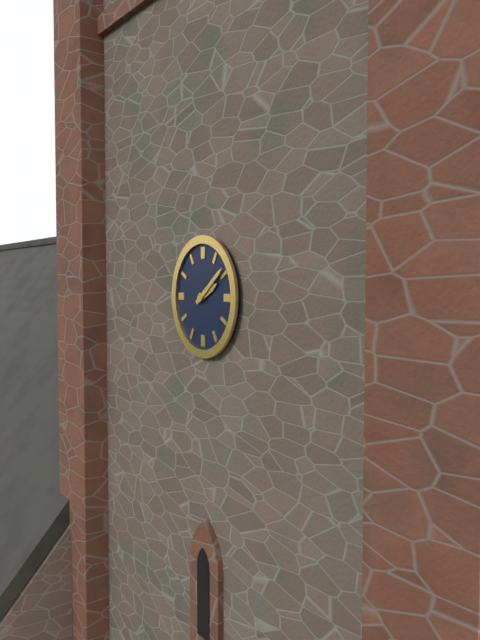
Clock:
2 h 09 min
